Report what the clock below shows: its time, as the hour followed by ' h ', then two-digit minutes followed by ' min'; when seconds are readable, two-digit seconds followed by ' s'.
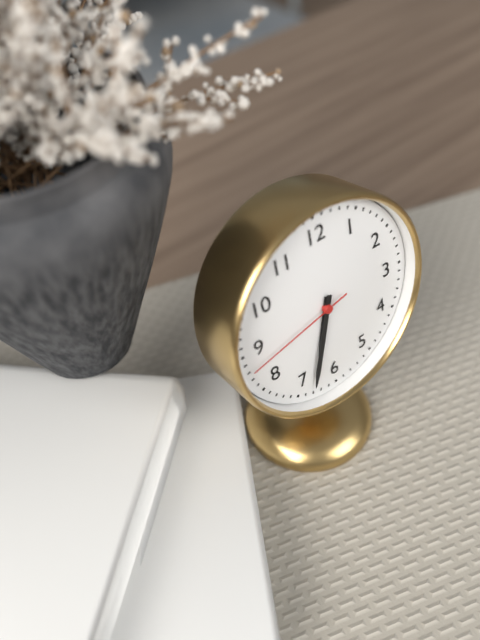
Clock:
6 h 33 min 43 s
